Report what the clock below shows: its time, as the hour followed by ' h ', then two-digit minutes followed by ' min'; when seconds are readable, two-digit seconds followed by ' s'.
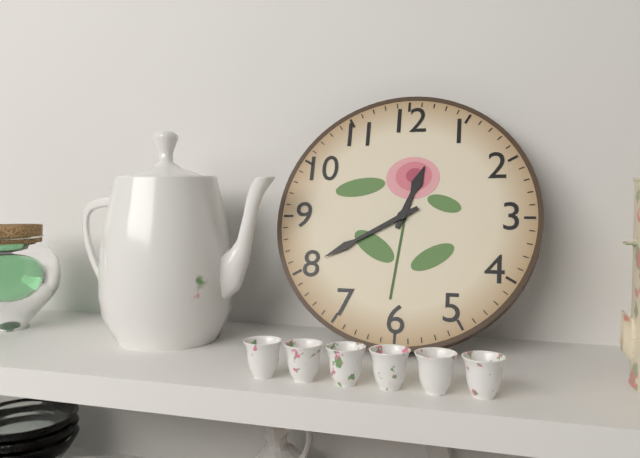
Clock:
12 h 40 min
